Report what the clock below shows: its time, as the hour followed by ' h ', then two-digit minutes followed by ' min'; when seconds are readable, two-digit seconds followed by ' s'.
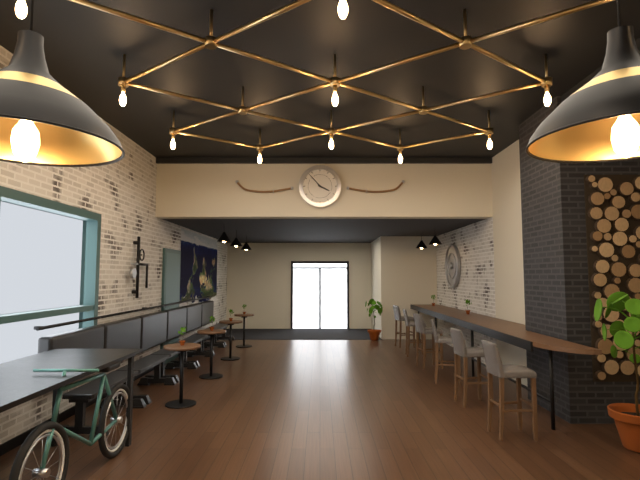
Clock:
3 h 53 min
